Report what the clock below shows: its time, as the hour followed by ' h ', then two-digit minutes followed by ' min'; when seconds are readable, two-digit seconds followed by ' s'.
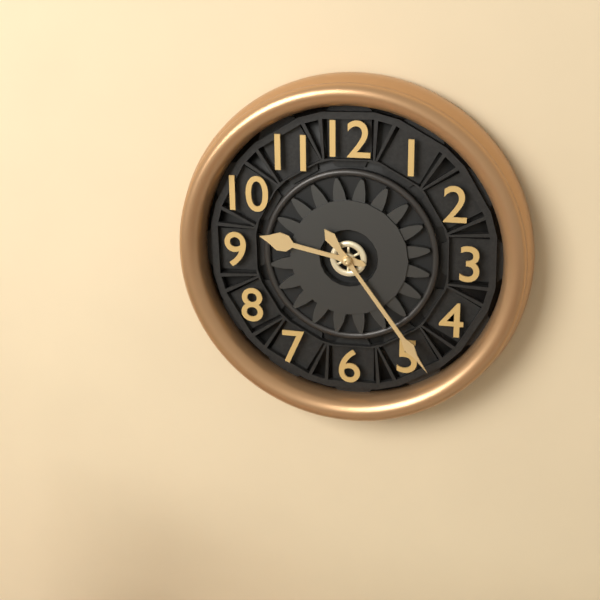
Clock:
9 h 24 min
